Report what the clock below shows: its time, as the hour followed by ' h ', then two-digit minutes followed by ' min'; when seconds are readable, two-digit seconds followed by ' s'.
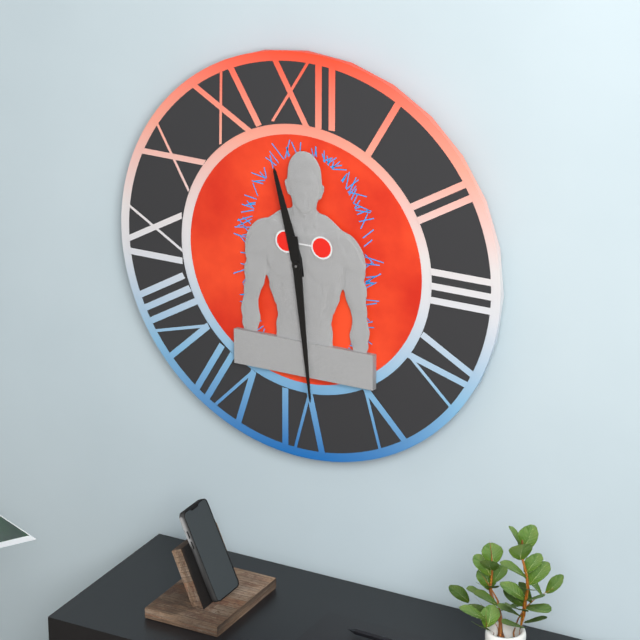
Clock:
11 h 29 min
